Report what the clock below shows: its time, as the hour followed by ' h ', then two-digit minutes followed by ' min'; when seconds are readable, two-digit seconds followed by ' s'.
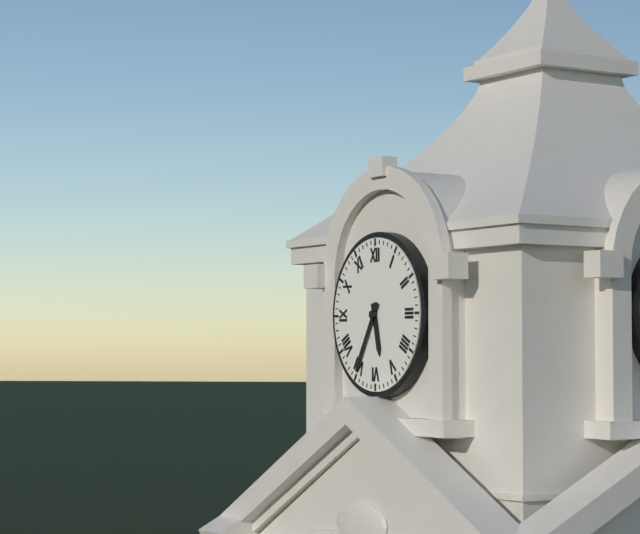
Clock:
5 h 35 min
